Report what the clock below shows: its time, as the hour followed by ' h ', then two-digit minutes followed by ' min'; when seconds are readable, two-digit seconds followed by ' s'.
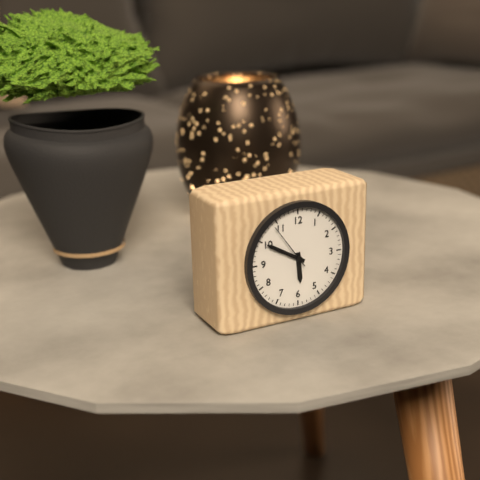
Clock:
5 h 50 min
